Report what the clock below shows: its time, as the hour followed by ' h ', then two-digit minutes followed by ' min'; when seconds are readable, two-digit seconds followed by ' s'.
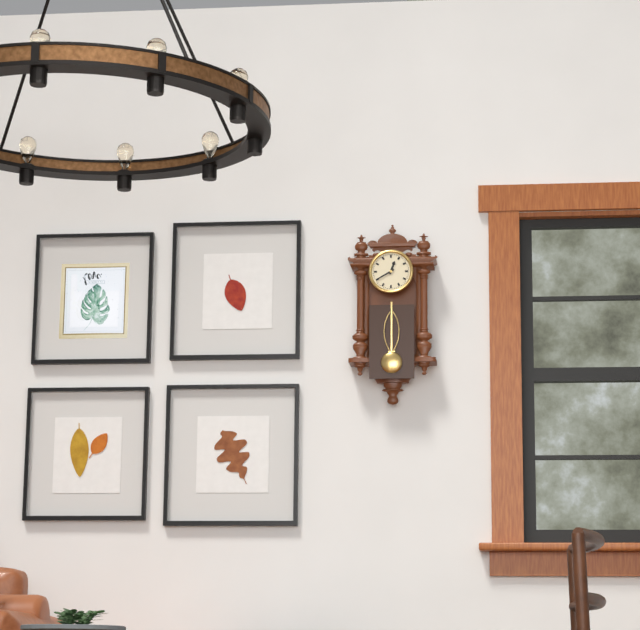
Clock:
12 h 40 min
